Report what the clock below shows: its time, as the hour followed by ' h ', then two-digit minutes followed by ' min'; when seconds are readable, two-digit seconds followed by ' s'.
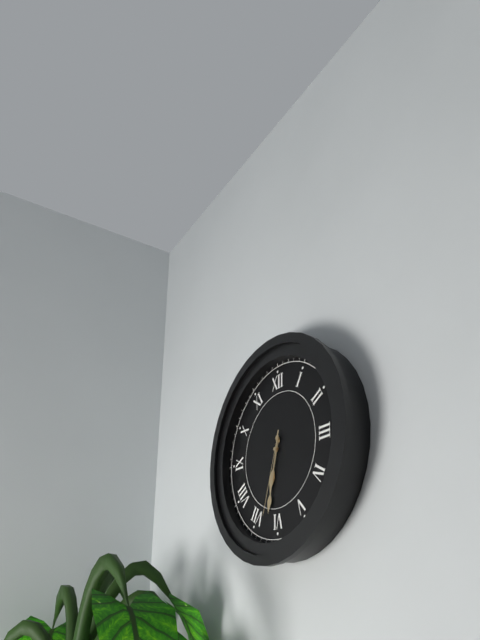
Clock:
6 h 32 min 33 s
